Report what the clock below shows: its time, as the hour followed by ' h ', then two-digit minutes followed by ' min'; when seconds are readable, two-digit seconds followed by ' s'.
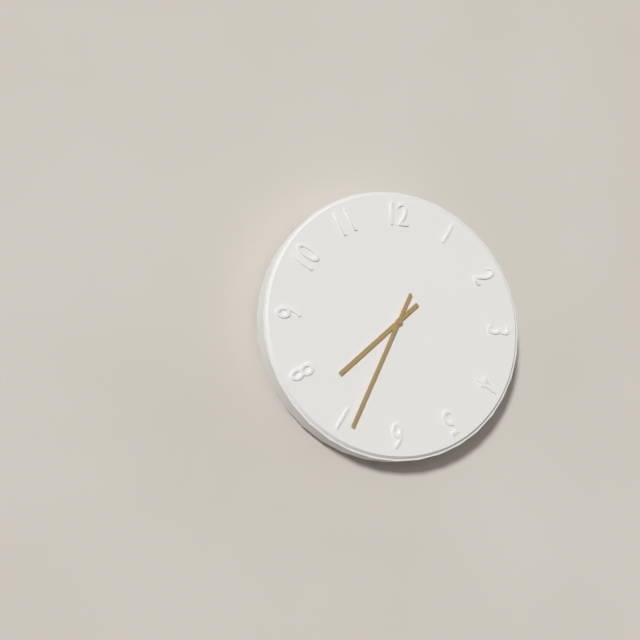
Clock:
7 h 34 min
